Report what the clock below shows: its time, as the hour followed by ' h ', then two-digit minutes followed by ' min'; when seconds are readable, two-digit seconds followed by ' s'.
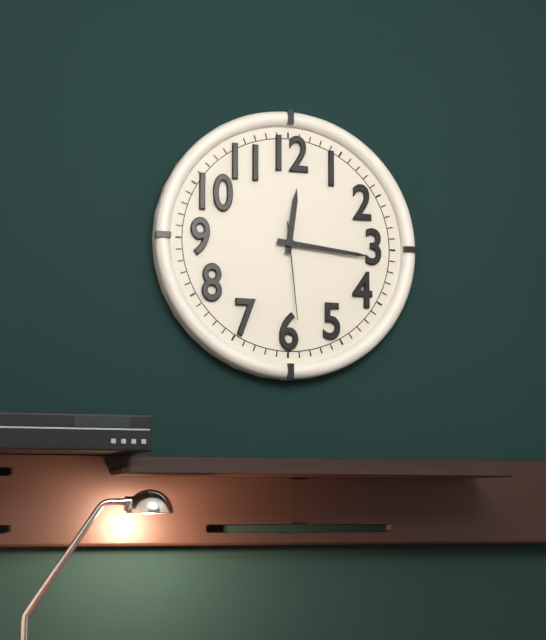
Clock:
12 h 16 min 29 s
